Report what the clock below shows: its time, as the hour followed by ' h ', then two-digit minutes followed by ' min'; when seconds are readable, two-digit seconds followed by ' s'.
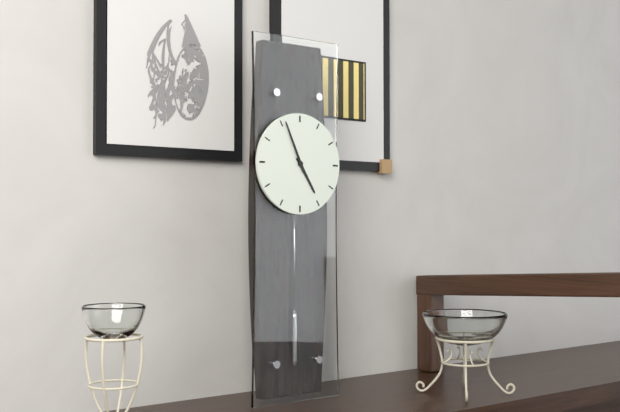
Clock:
4 h 56 min
